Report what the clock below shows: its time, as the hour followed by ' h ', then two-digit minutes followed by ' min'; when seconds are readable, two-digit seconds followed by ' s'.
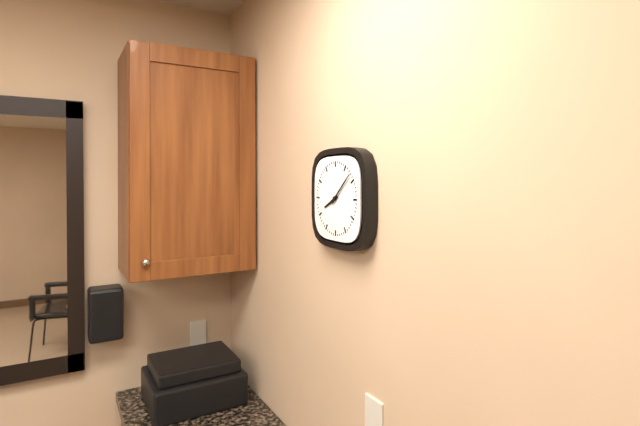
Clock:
8 h 08 min
